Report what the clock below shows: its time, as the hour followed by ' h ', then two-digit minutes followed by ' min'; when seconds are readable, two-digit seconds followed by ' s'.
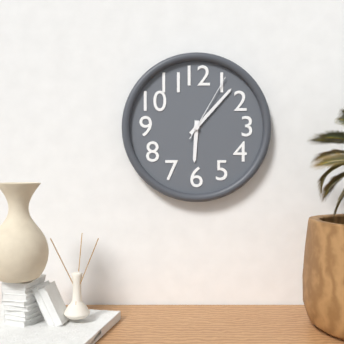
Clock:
6 h 07 min 05 s
